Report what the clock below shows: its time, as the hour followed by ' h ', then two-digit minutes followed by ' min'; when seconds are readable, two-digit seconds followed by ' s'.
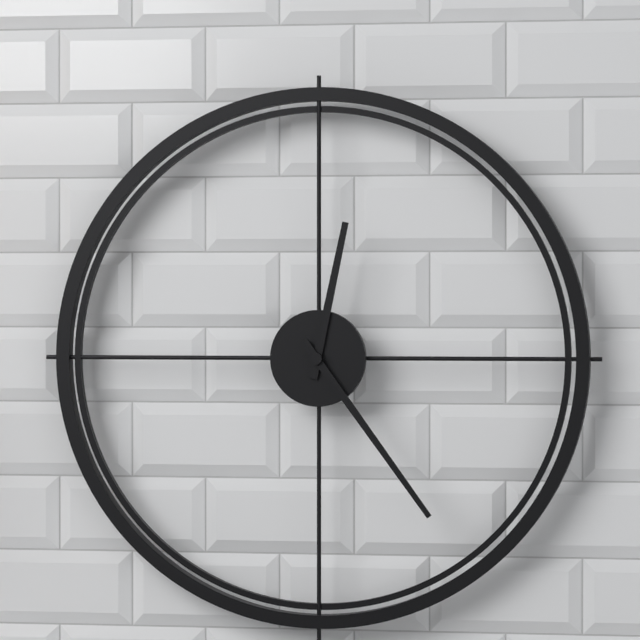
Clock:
12 h 24 min
